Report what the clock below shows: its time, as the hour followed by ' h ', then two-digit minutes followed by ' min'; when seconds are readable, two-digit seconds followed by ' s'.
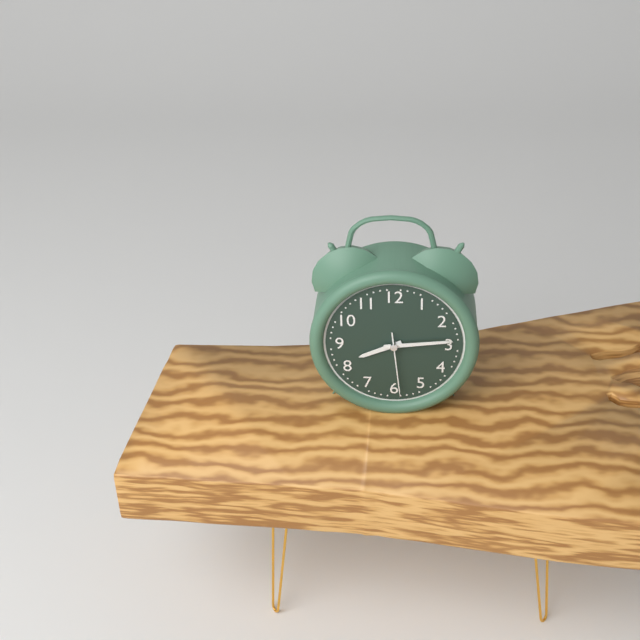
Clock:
8 h 14 min 29 s
